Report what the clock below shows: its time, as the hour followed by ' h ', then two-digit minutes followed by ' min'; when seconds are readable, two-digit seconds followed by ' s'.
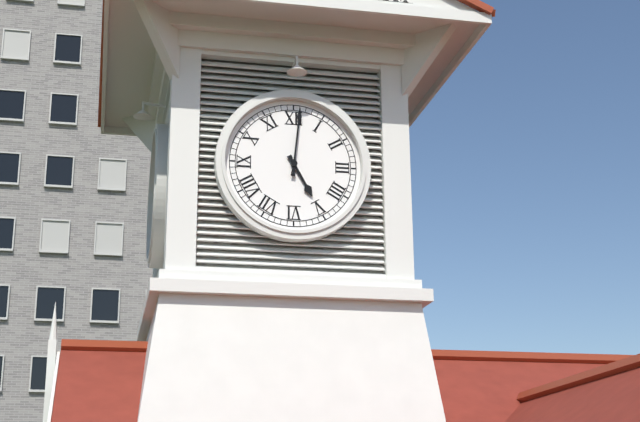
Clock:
5 h 01 min
